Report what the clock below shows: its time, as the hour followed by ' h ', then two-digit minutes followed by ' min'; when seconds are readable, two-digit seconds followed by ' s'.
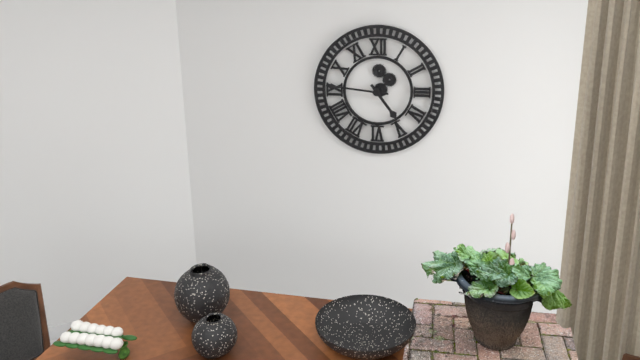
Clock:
4 h 46 min
